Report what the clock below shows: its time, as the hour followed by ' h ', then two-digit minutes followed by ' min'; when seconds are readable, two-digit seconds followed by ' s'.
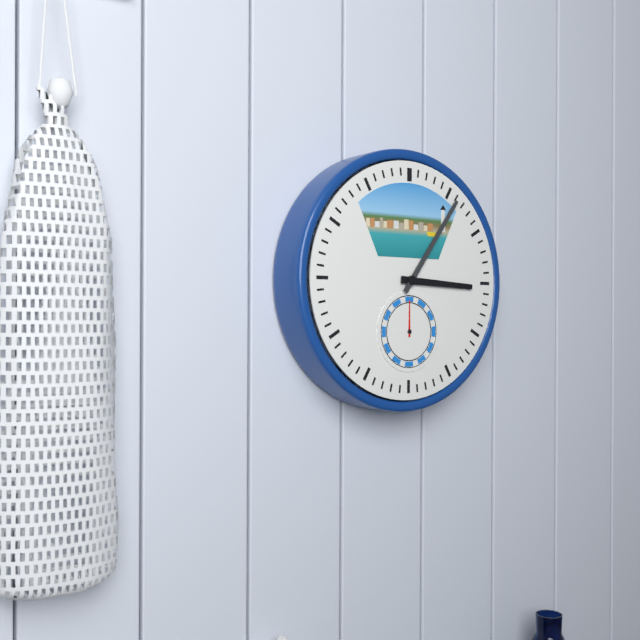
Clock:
3 h 06 min
